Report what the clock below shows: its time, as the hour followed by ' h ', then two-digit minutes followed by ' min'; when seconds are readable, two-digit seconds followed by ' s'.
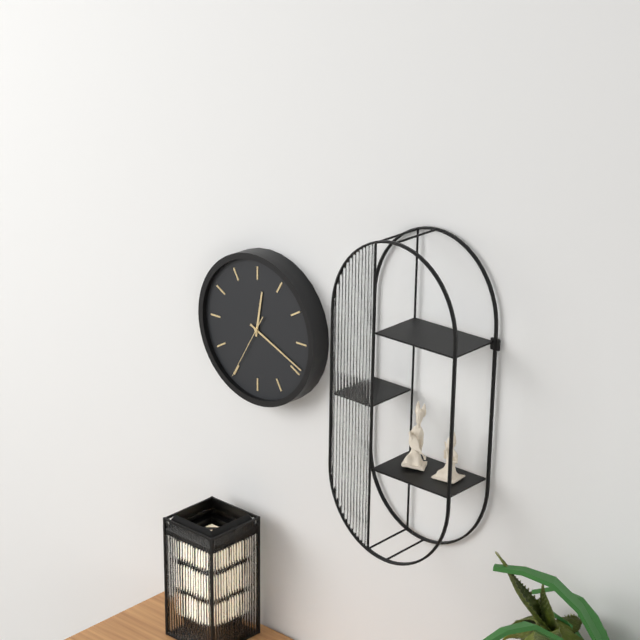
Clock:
12 h 19 min 35 s
